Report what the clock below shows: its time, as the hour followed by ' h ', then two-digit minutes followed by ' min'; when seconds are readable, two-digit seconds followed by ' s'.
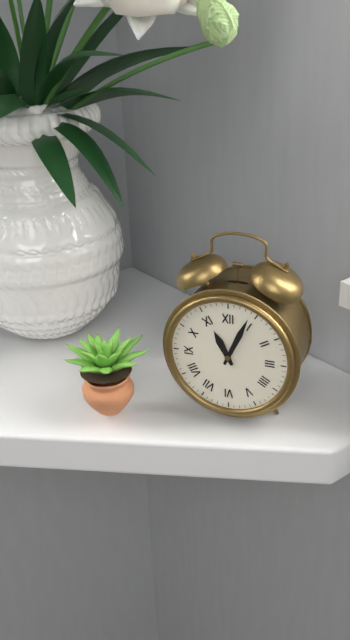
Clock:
11 h 04 min
